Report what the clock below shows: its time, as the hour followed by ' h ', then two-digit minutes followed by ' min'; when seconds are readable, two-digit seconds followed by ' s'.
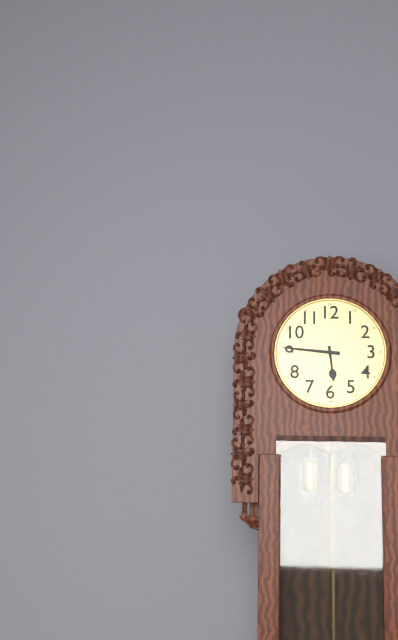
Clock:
5 h 46 min
